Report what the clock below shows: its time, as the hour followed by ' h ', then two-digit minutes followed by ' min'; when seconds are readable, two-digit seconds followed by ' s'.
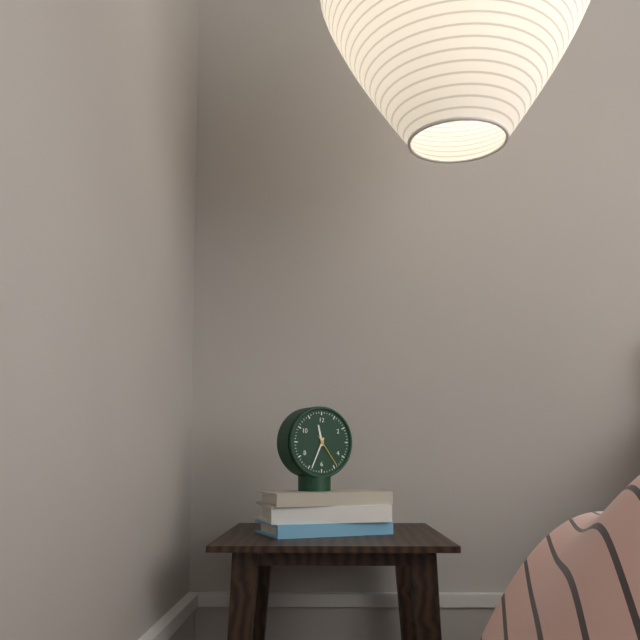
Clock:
11 h 34 min
